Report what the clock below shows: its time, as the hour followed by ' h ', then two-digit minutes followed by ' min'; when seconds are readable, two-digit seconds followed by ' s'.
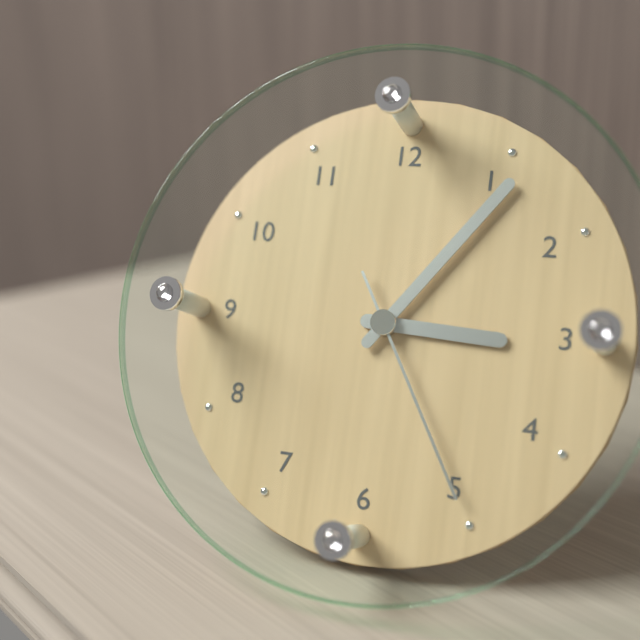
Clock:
3 h 06 min 25 s
